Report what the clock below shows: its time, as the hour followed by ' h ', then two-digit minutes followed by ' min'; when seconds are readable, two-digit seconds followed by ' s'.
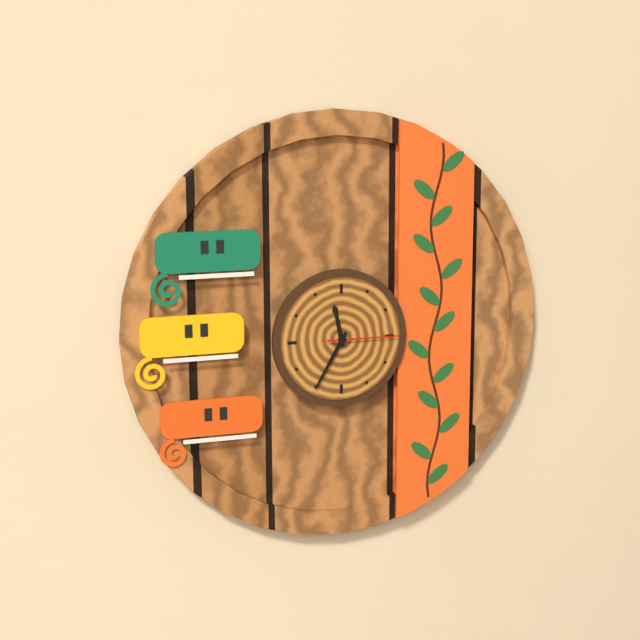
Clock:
11 h 35 min 15 s
